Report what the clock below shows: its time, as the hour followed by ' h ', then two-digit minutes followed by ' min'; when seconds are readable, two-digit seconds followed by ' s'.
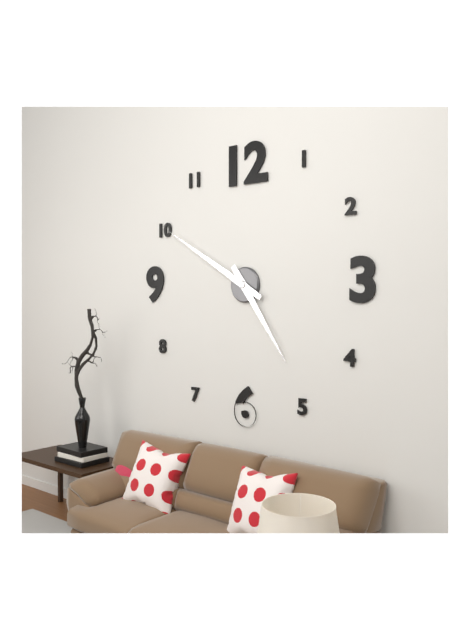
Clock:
4 h 50 min
